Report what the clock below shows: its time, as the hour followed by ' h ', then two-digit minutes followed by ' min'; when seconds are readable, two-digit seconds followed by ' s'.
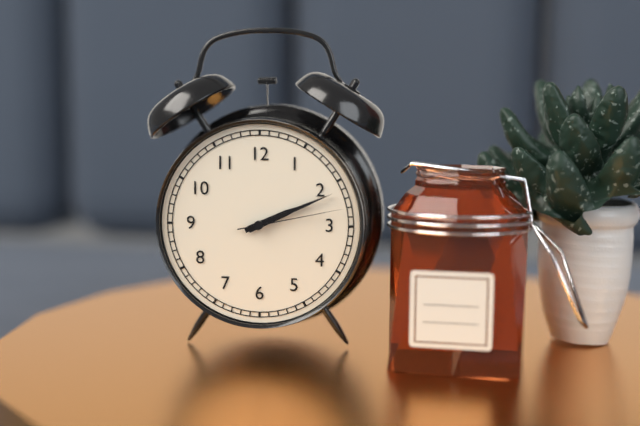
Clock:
2 h 11 min 13 s
